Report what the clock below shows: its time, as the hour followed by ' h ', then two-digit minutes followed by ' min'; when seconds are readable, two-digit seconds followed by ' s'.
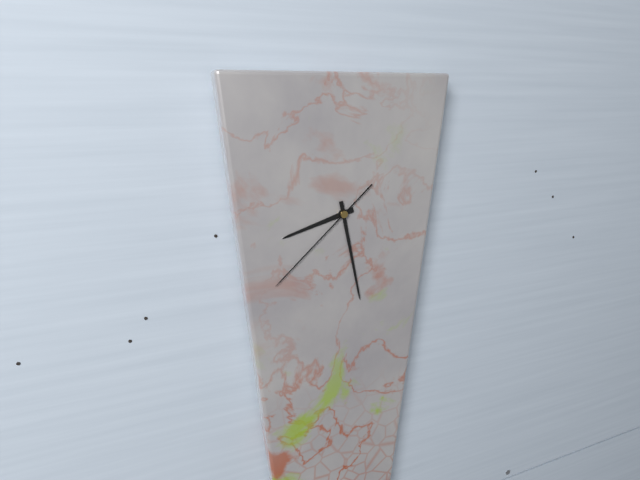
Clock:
8 h 28 min 38 s
